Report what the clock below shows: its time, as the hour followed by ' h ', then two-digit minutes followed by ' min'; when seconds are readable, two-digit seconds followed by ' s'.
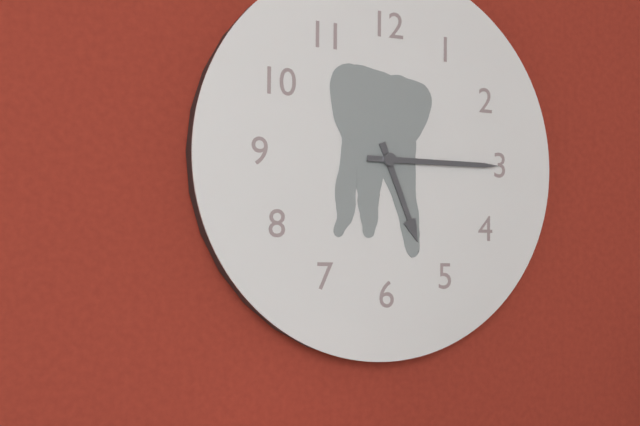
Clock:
5 h 15 min
